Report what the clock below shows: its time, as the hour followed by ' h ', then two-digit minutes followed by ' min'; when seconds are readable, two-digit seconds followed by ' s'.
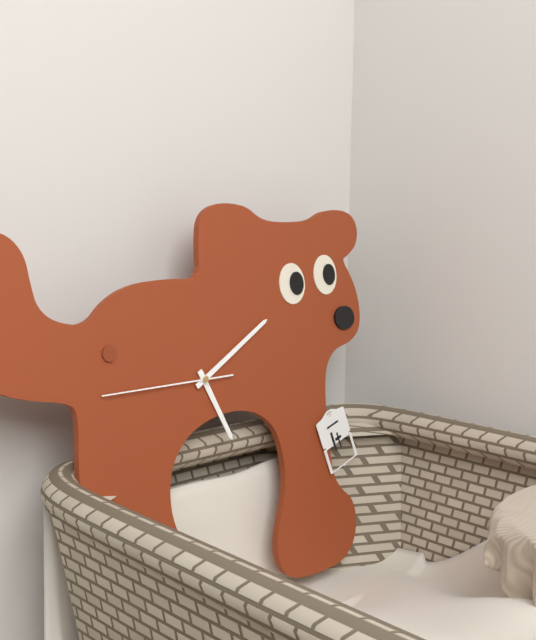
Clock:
5 h 10 min 45 s
